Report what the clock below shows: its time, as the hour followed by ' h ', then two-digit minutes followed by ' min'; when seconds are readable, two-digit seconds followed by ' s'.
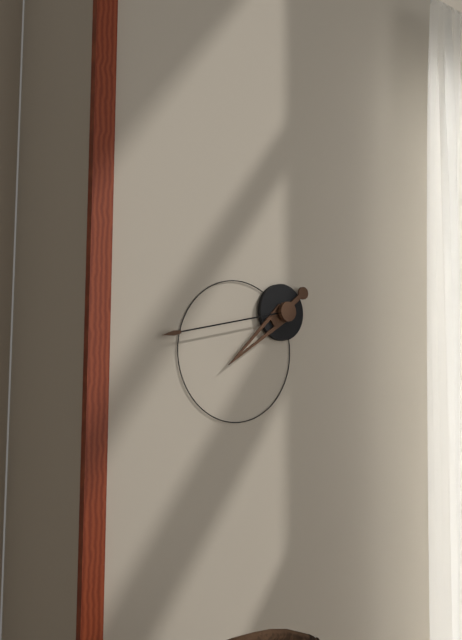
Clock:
7 h 43 min
